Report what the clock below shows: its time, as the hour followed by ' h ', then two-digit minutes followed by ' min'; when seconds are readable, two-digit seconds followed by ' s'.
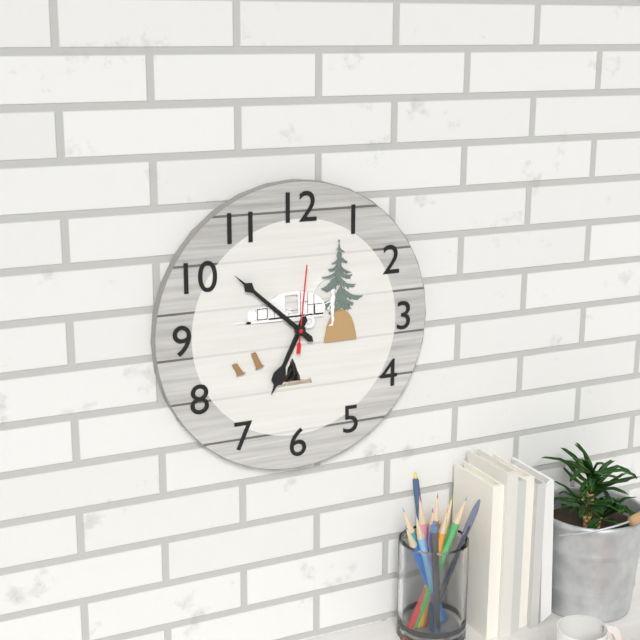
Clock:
6 h 52 min 01 s
